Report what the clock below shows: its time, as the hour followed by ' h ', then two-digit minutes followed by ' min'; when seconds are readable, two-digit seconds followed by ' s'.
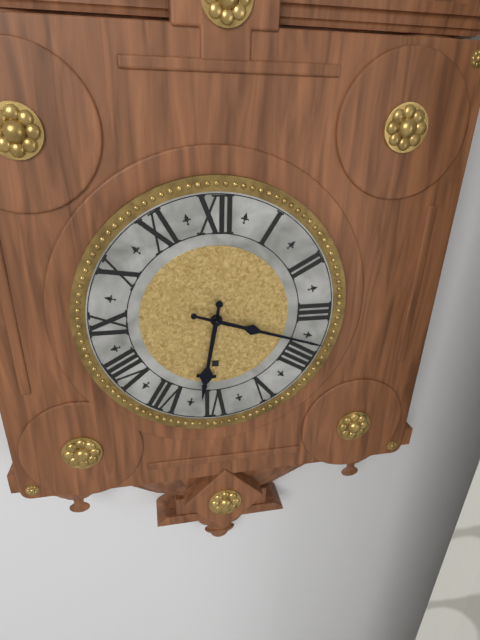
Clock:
6 h 18 min
